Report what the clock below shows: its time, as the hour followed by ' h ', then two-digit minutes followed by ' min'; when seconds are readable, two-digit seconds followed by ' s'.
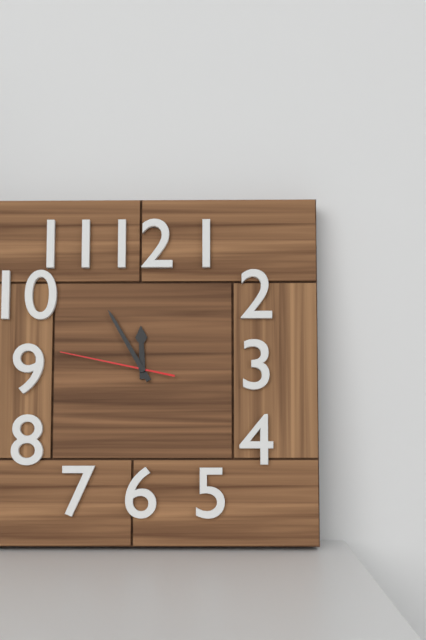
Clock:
11 h 55 min 47 s
